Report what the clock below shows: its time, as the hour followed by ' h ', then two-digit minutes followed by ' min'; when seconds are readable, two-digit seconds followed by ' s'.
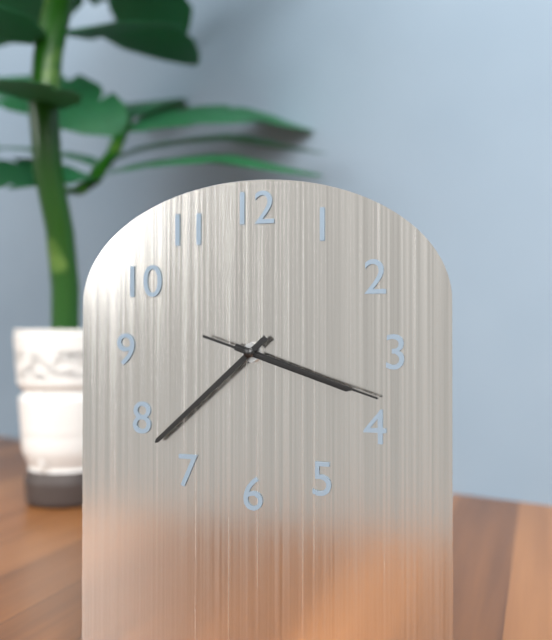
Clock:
3 h 38 min 18 s
